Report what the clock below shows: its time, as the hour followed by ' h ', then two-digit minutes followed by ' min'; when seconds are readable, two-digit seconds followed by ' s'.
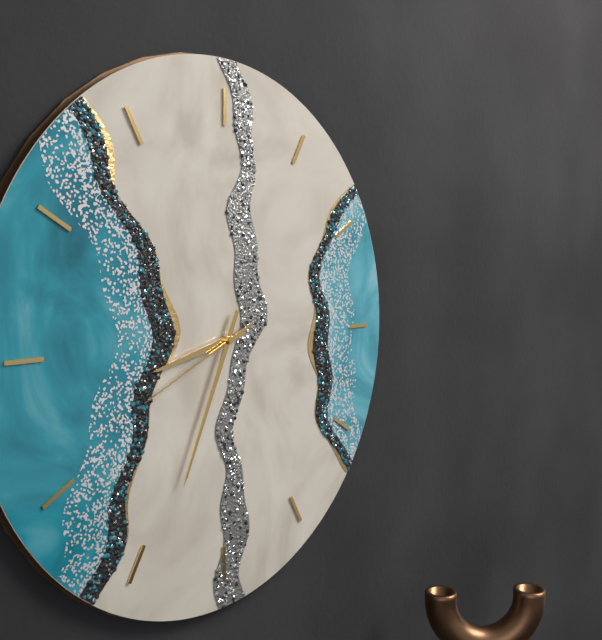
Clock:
8 h 34 min 41 s
